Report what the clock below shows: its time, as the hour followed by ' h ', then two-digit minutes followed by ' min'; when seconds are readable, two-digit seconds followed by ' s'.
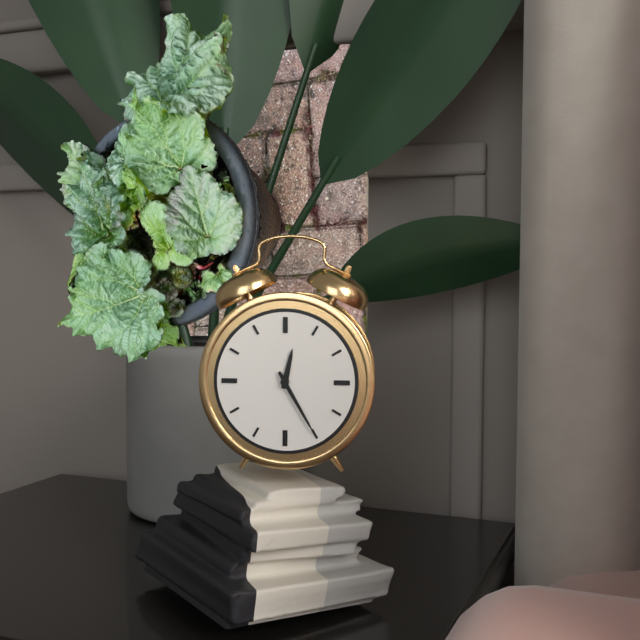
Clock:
12 h 25 min
